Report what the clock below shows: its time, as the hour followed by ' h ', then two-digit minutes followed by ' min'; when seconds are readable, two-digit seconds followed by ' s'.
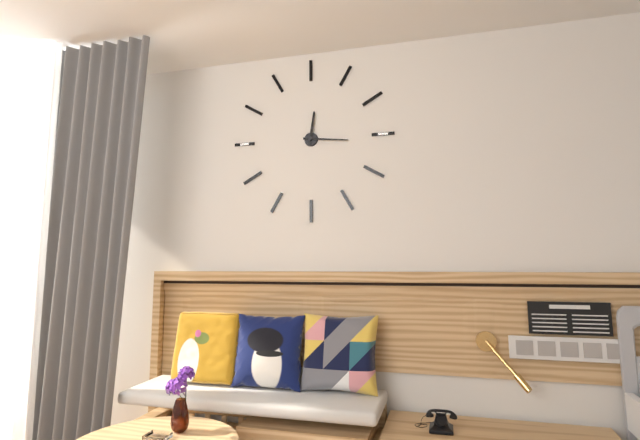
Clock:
12 h 16 min
